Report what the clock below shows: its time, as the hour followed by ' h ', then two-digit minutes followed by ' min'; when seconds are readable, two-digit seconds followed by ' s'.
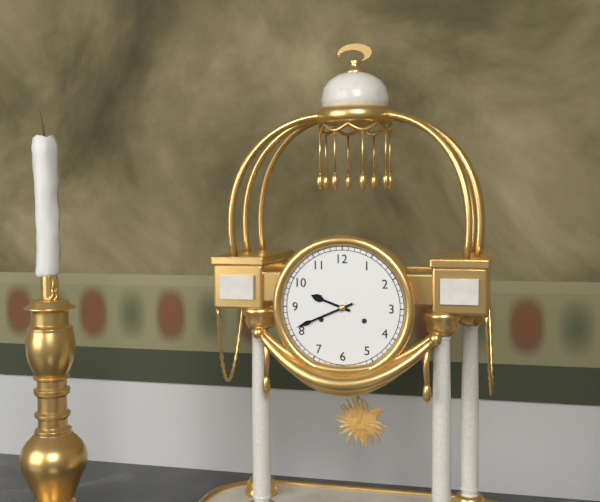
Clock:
9 h 41 min
